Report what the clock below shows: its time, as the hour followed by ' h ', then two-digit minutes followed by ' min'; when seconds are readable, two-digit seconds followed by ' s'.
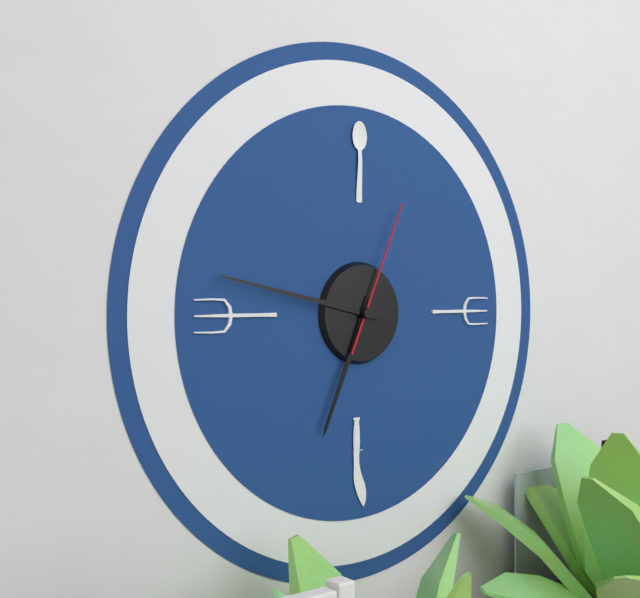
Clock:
6 h 47 min 04 s
